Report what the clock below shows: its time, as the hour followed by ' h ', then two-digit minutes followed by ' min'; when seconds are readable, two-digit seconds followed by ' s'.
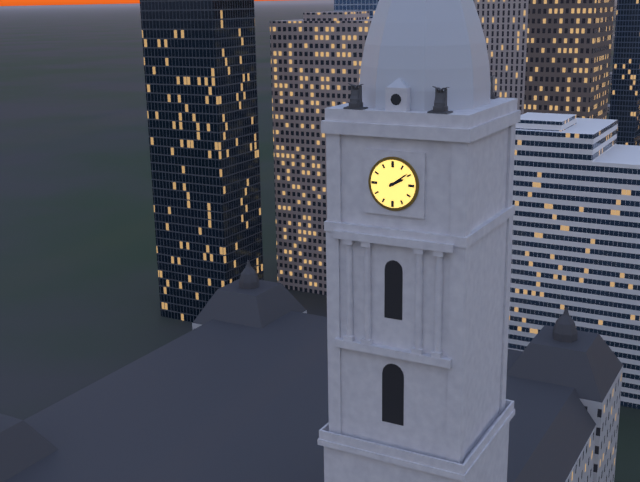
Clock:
2 h 09 min
